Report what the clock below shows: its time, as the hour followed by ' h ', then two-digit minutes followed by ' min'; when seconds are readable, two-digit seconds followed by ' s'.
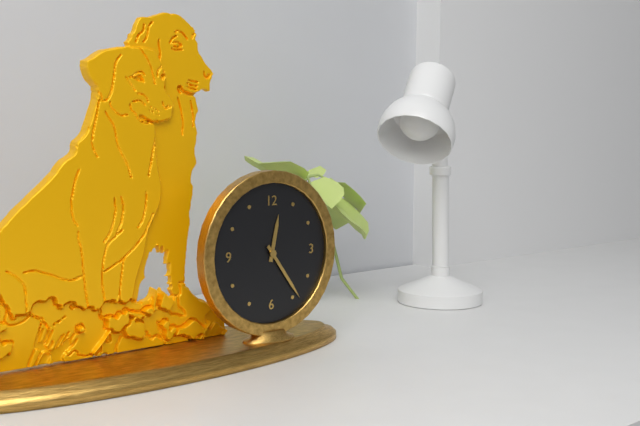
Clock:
12 h 24 min
